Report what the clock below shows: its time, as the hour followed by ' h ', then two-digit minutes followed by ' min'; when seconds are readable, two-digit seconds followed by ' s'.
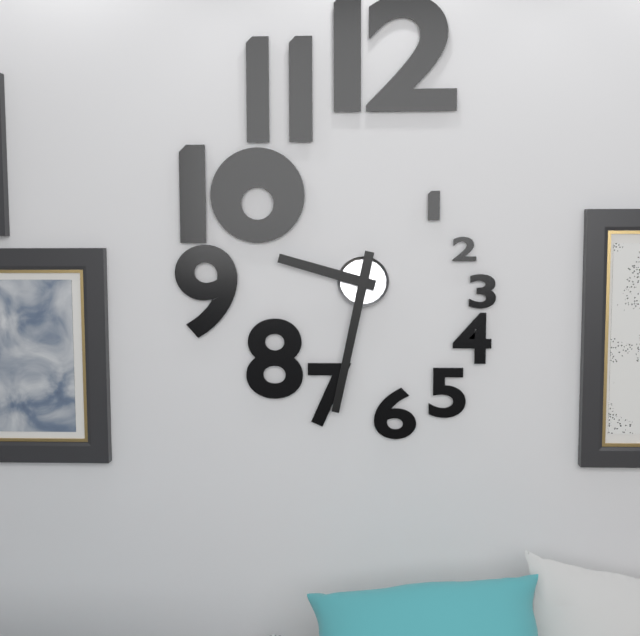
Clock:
9 h 32 min
